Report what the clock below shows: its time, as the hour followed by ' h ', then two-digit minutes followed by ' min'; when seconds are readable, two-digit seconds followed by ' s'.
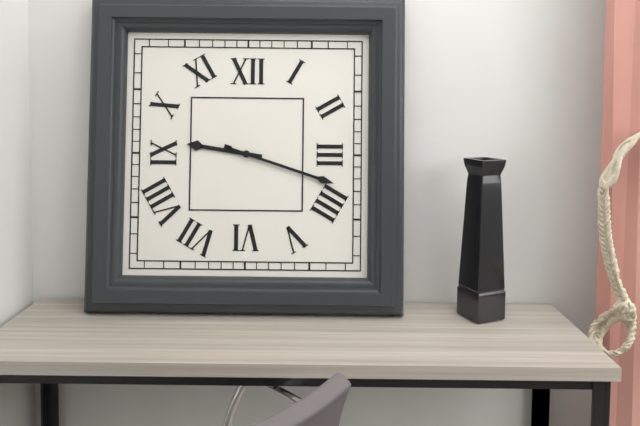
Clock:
9 h 18 min
